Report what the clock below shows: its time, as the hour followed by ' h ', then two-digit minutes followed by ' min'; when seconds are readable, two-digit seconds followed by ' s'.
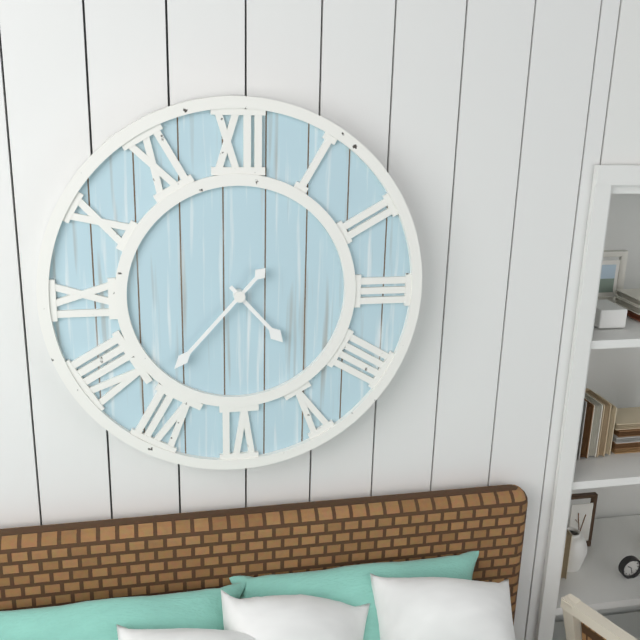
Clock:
4 h 37 min
